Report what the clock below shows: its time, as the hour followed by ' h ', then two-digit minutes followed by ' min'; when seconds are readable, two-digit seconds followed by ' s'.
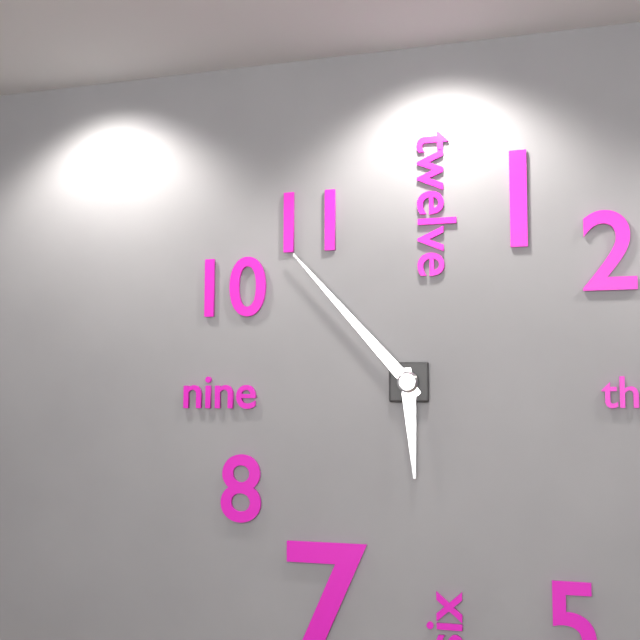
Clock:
5 h 53 min
